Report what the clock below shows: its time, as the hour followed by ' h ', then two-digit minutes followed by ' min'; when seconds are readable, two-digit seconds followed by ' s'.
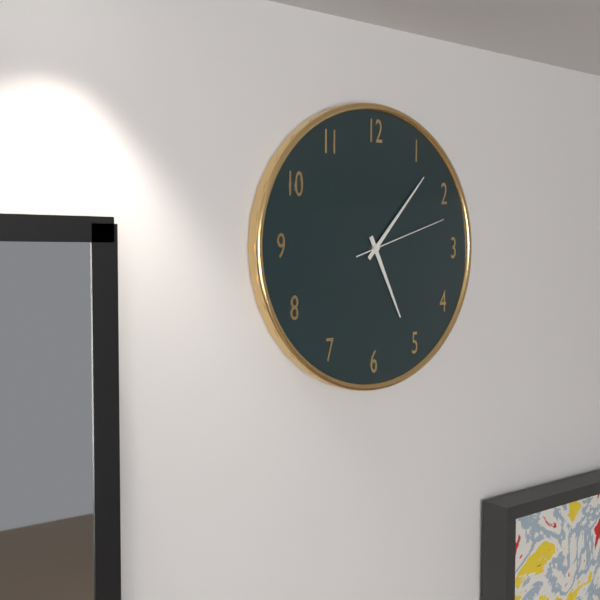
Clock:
5 h 07 min 12 s
